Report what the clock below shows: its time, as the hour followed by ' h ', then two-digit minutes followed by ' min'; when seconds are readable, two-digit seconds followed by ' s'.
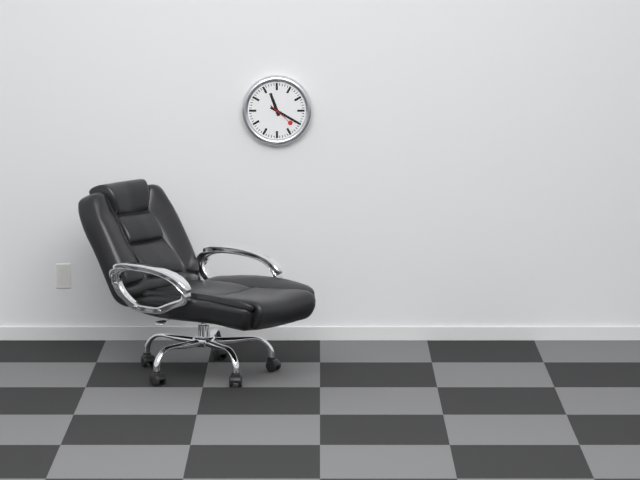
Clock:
11 h 20 min
